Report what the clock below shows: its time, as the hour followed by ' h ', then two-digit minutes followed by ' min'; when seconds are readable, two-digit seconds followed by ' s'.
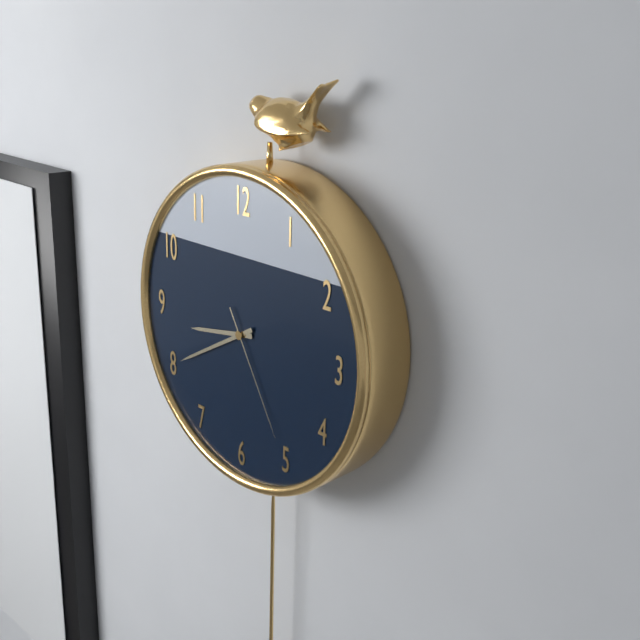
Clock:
8 h 40 min 25 s
